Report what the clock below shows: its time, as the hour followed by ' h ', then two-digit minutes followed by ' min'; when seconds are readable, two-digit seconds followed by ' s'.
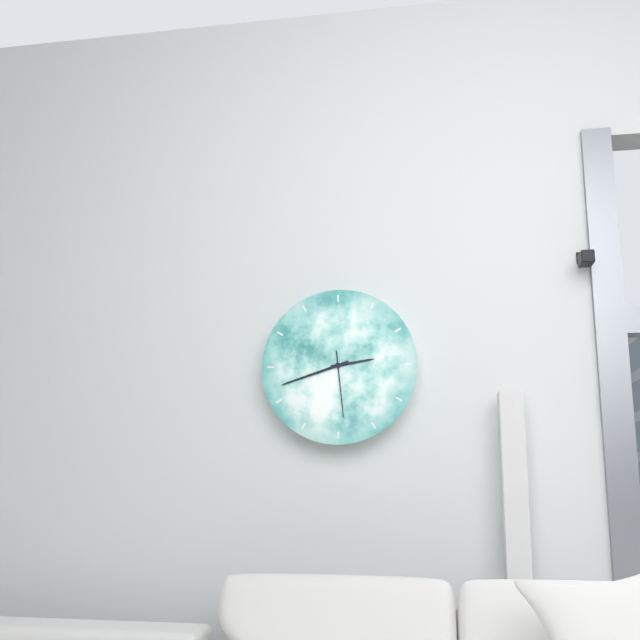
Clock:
2 h 42 min 29 s
